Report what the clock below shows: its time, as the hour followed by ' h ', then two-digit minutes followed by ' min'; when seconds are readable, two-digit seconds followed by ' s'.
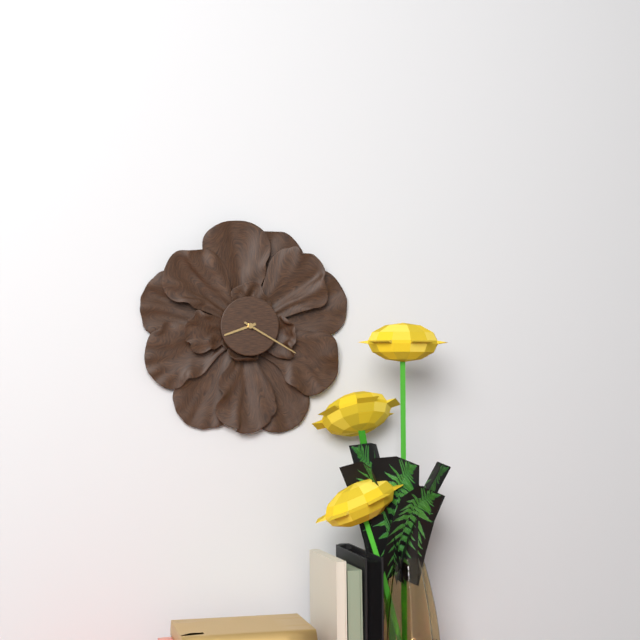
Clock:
8 h 20 min
